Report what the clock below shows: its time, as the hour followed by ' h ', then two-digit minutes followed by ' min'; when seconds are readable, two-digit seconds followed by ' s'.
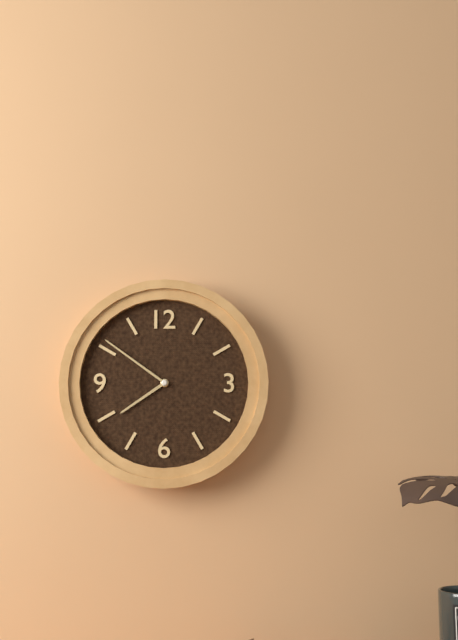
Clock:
7 h 51 min
